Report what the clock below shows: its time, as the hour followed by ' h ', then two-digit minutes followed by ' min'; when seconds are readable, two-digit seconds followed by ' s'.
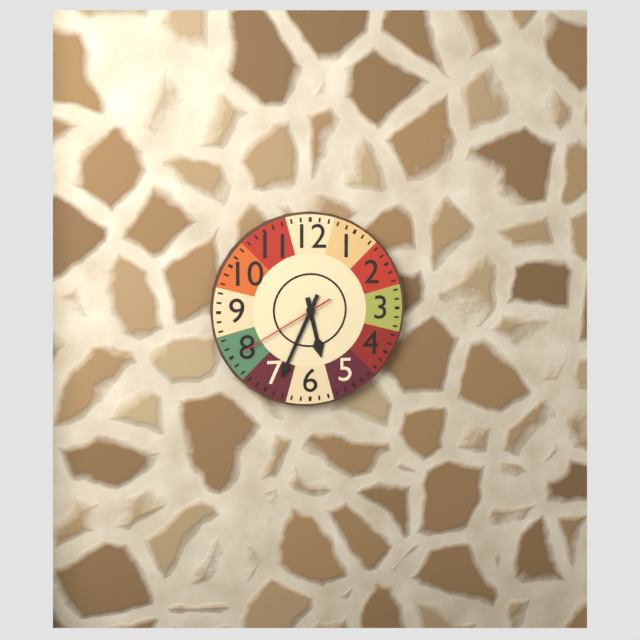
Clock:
5 h 34 min 40 s
